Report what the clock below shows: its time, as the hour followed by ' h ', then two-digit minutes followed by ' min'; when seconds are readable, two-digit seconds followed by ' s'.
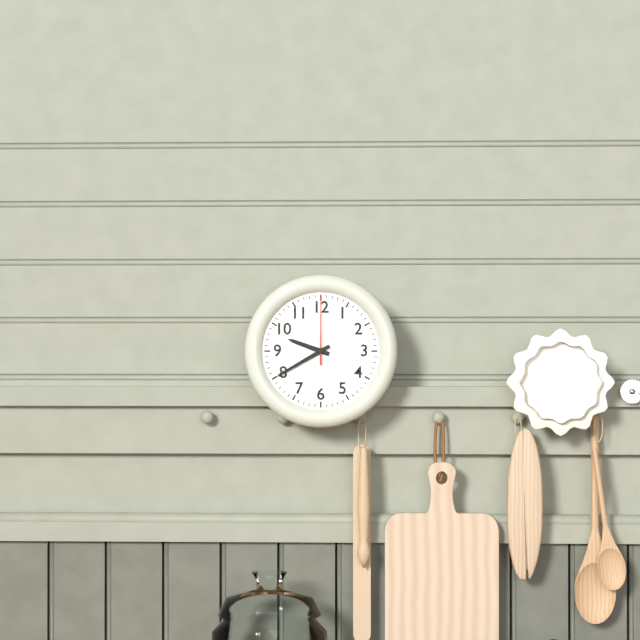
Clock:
9 h 40 min 00 s
